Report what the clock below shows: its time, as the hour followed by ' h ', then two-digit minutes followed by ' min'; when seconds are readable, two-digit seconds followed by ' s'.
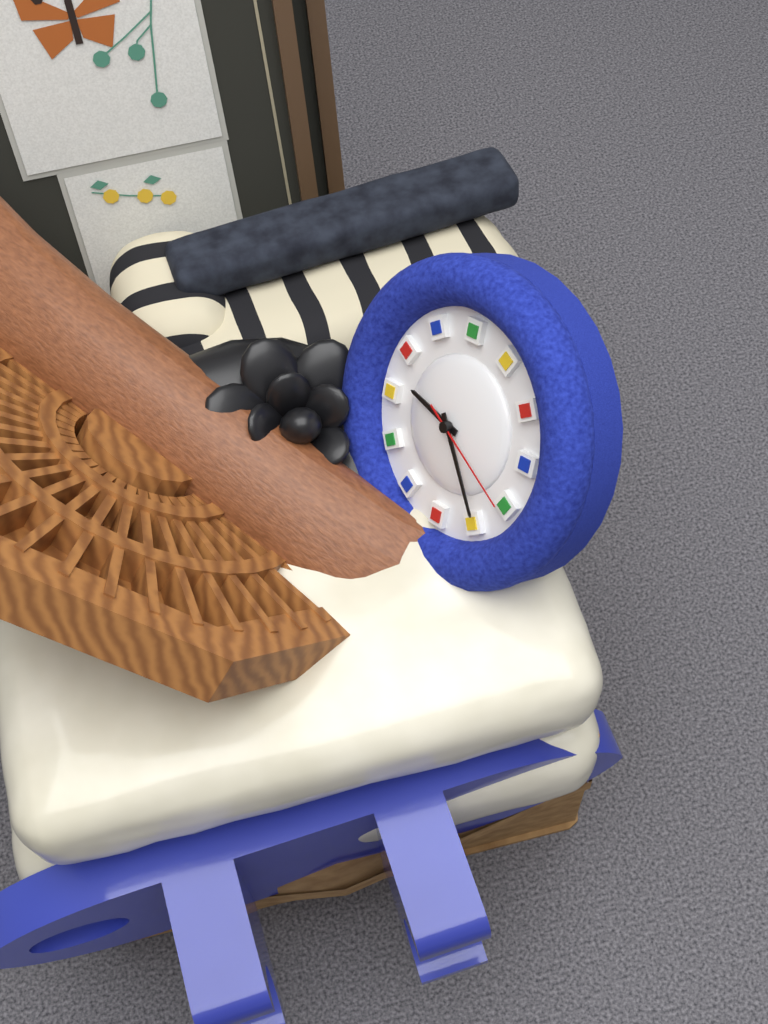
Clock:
10 h 29 min 25 s
